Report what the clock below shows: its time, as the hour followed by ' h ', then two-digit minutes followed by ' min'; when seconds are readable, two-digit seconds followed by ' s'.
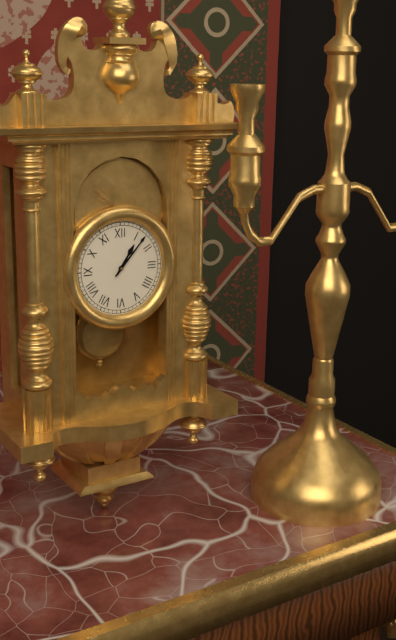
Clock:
1 h 07 min
